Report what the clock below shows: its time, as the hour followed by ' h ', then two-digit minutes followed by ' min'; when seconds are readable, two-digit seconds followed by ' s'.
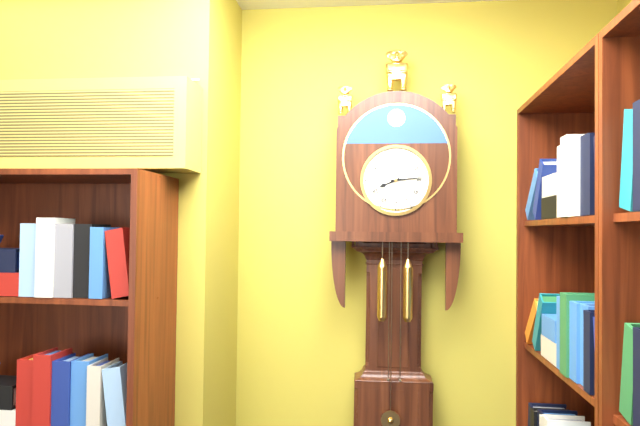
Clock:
8 h 14 min
